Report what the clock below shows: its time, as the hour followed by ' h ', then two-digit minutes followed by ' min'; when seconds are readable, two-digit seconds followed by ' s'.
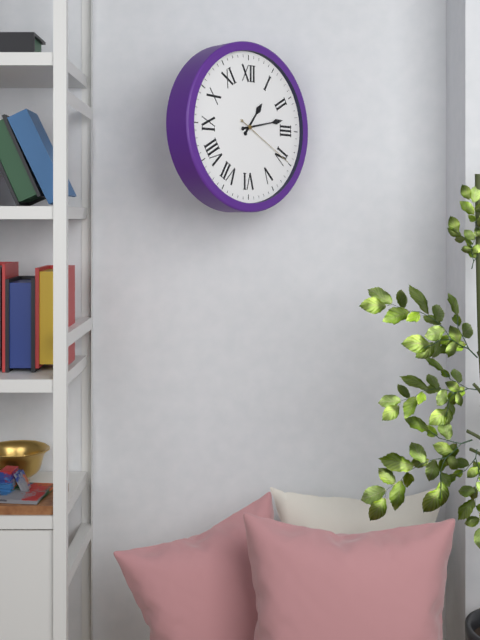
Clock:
1 h 13 min 20 s
